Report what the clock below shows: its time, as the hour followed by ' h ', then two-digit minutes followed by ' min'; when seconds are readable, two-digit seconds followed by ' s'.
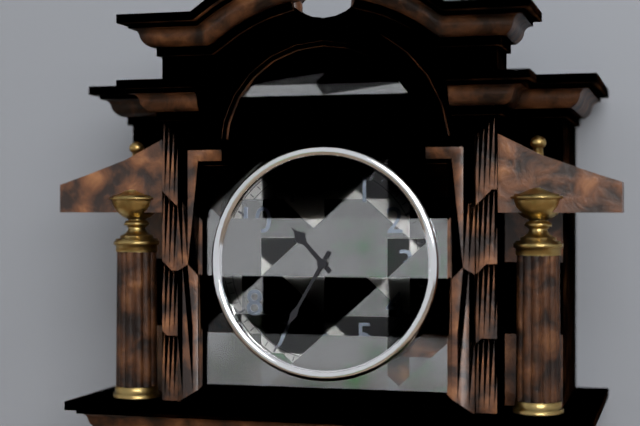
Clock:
10 h 35 min
